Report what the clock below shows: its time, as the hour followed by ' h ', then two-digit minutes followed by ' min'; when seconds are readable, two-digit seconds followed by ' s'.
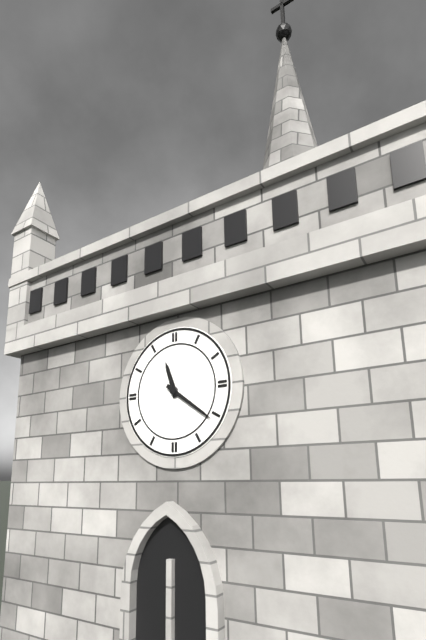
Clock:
11 h 21 min
